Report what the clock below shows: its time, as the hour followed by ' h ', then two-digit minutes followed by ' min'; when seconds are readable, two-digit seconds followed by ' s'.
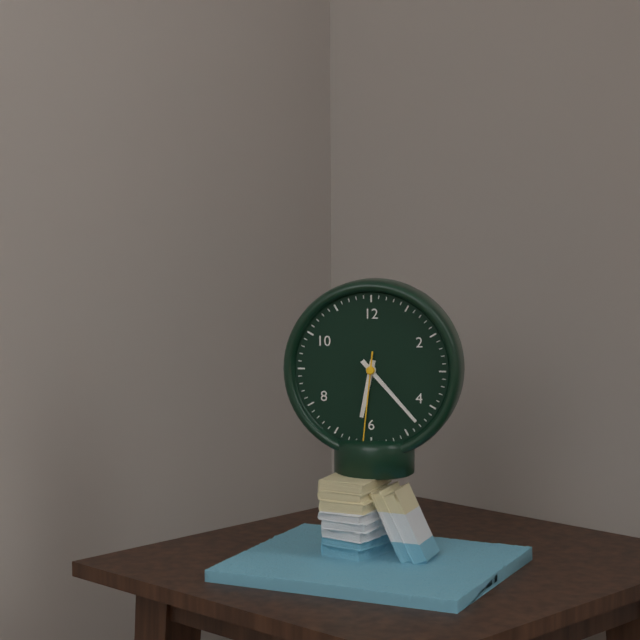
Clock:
6 h 23 min 31 s
